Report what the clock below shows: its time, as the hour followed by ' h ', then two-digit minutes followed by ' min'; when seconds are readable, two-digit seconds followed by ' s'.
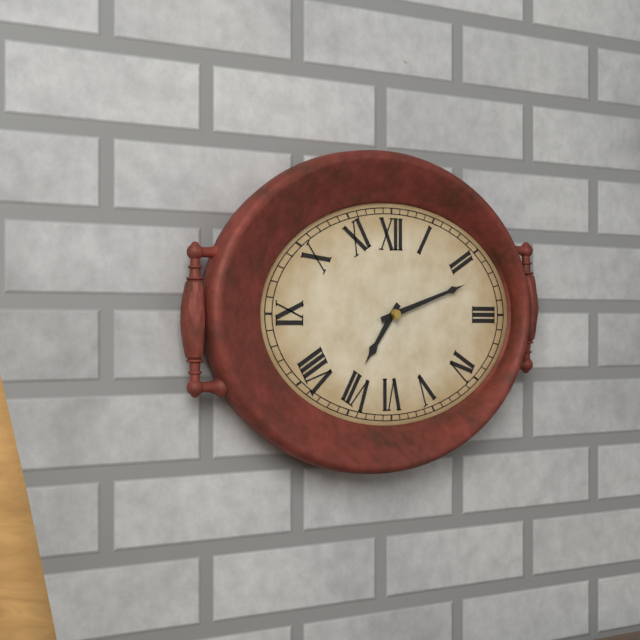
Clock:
7 h 12 min
